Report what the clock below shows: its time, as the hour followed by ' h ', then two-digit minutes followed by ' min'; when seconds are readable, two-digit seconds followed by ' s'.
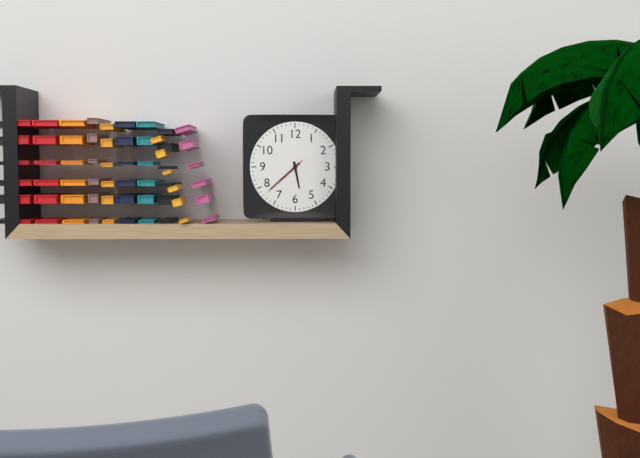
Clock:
5 h 38 min
